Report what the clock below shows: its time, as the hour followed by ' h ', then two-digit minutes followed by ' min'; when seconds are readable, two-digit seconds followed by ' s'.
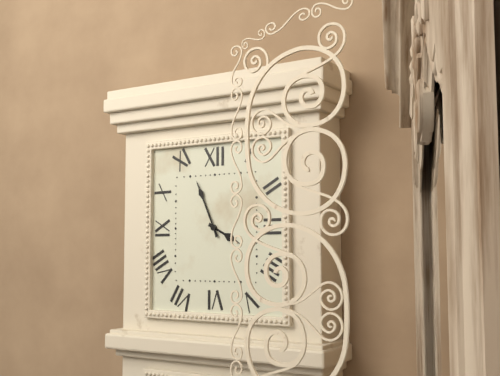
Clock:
3 h 56 min
